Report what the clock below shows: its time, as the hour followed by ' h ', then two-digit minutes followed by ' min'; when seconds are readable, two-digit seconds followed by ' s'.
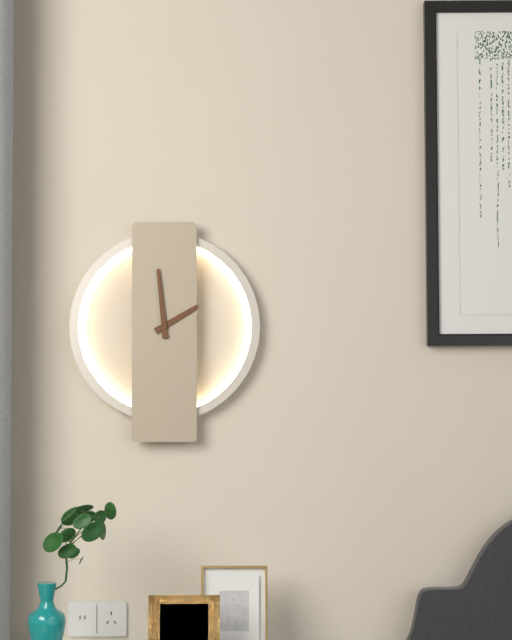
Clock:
1 h 59 min
